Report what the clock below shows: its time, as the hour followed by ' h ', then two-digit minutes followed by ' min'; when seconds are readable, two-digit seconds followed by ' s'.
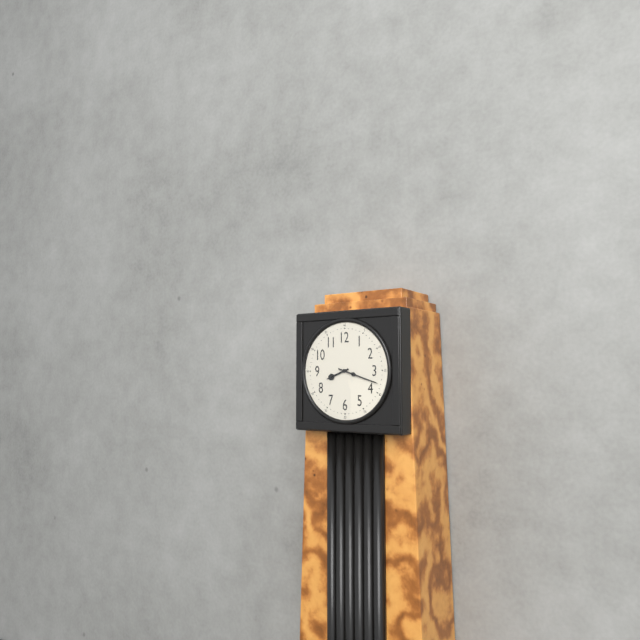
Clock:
8 h 18 min
